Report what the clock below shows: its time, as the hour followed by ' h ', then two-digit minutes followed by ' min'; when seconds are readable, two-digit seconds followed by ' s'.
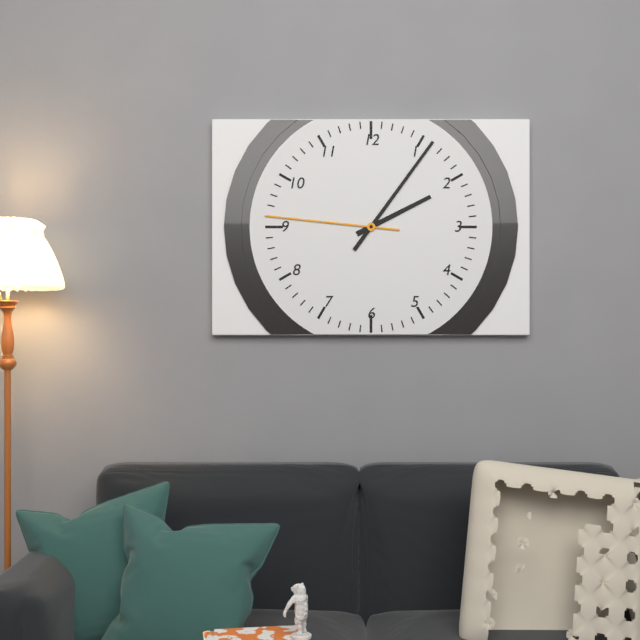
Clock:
2 h 06 min 46 s
